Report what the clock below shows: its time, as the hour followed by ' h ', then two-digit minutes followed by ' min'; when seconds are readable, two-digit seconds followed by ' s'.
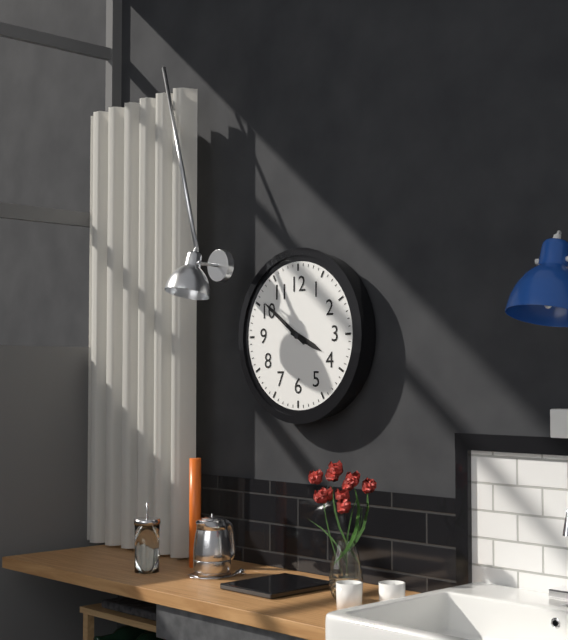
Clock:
3 h 51 min
